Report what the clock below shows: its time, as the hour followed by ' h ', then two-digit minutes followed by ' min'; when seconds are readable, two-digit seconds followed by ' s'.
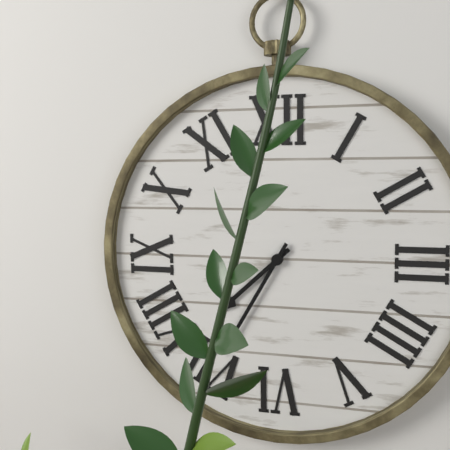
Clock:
7 h 35 min
